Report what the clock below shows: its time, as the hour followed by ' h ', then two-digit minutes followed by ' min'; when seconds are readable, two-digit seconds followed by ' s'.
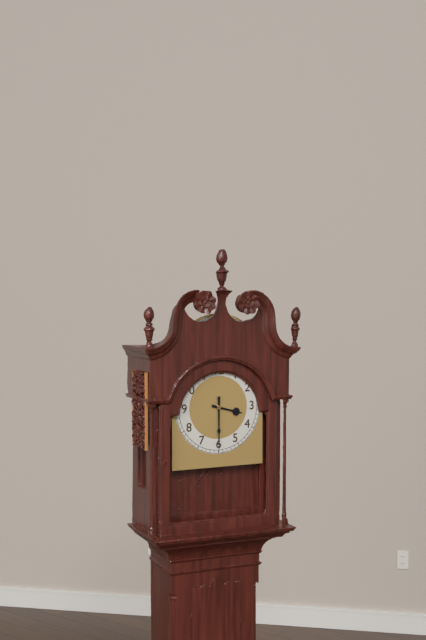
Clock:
3 h 30 min
